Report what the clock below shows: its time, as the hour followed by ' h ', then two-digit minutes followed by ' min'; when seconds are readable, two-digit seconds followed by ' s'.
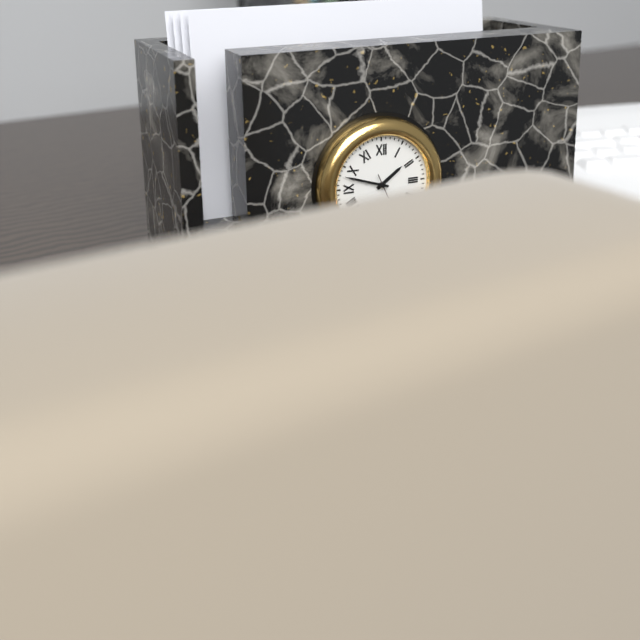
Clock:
1 h 48 min
